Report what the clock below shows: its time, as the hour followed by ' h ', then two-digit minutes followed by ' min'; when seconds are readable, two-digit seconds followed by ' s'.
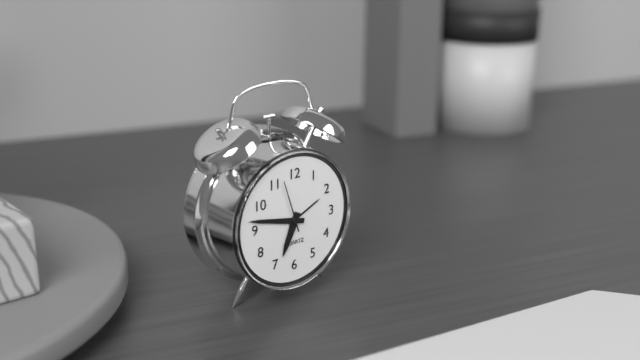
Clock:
6 h 47 min 57 s
